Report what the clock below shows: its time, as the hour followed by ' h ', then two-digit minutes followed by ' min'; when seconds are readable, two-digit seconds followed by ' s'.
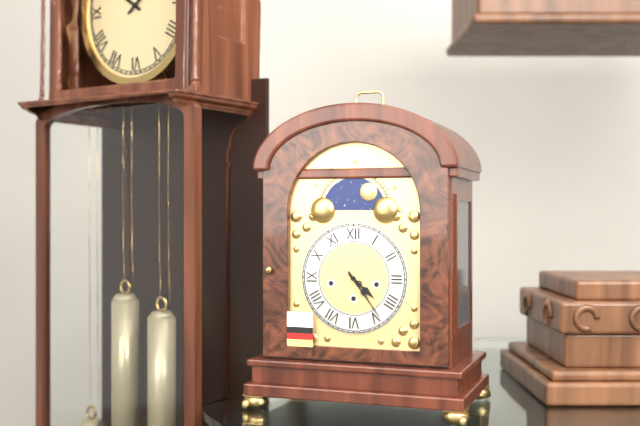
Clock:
4 h 24 min
